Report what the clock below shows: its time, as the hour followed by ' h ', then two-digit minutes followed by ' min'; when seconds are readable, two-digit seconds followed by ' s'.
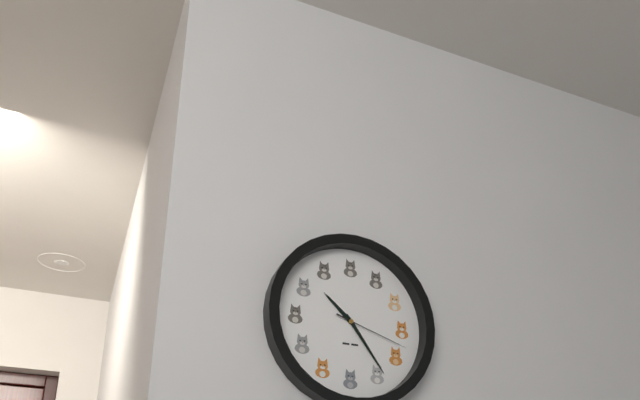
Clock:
10 h 24 min 18 s
